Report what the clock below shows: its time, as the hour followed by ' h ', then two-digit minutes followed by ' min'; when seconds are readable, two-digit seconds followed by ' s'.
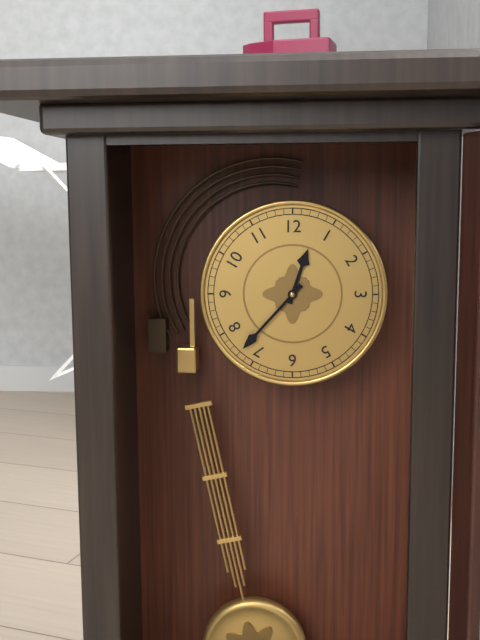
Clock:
12 h 37 min
